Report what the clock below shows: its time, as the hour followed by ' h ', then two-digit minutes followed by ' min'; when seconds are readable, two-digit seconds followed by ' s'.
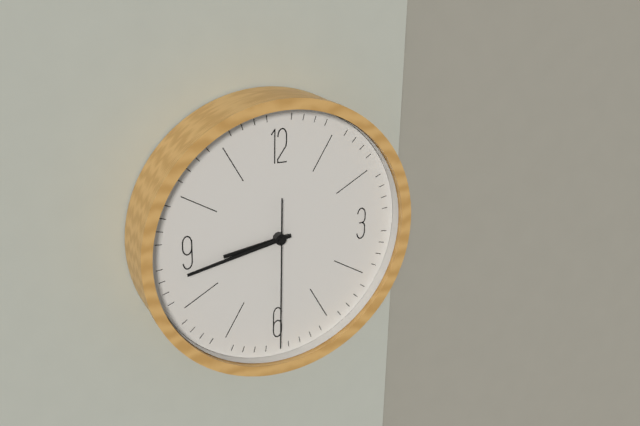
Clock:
8 h 43 min 30 s
